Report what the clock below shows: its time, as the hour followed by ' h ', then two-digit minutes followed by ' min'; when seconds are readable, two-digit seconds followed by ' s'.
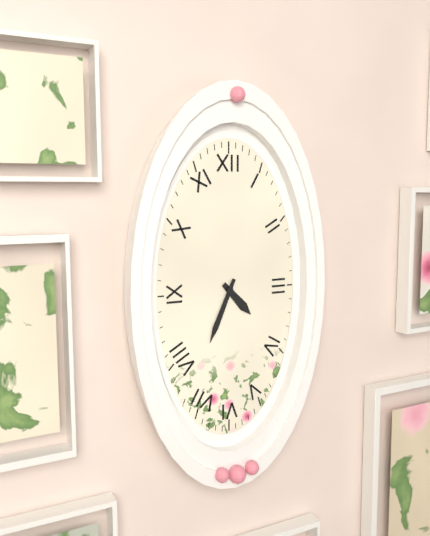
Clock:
4 h 34 min
